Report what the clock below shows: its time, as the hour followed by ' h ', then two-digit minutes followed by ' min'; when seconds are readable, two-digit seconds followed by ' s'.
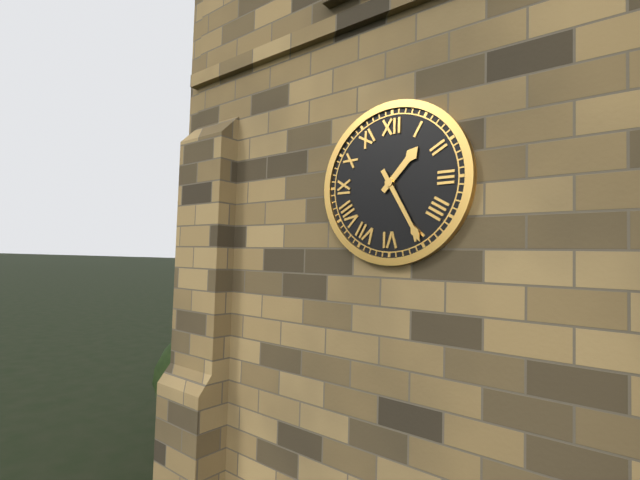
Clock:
1 h 25 min
